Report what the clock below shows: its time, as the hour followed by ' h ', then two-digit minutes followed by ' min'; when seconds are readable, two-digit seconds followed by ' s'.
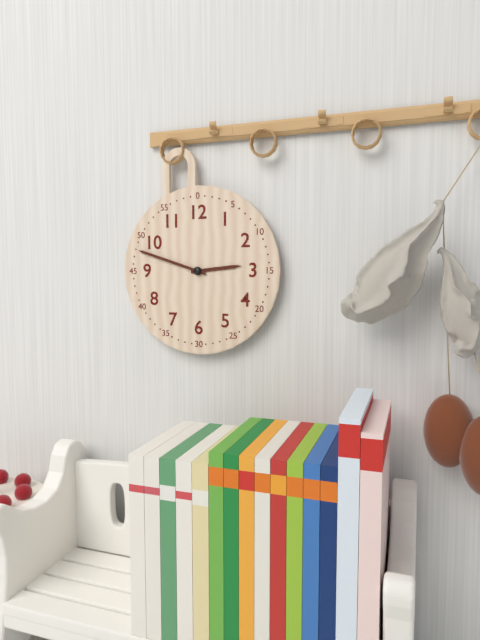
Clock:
2 h 48 min
